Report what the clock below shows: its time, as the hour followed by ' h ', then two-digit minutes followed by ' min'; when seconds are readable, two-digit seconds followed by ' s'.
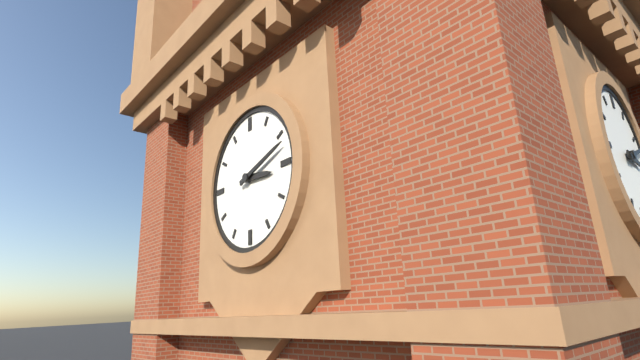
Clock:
3 h 12 min
